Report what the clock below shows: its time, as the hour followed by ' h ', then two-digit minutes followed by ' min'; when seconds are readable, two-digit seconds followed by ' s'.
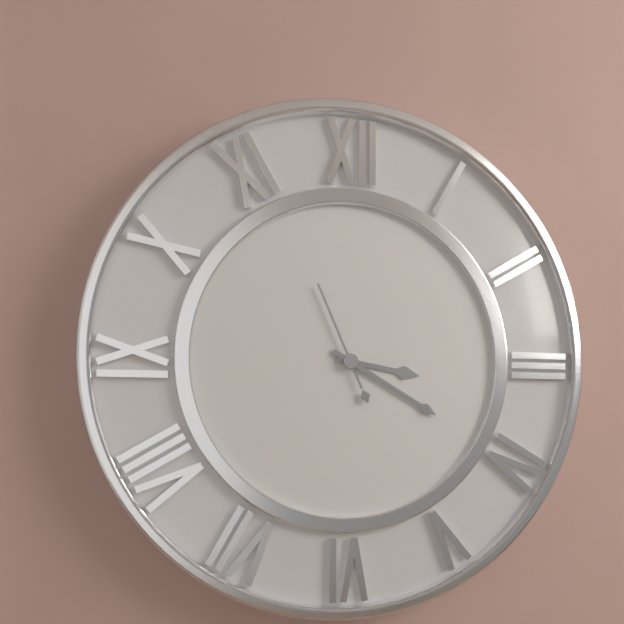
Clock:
3 h 20 min 56 s
